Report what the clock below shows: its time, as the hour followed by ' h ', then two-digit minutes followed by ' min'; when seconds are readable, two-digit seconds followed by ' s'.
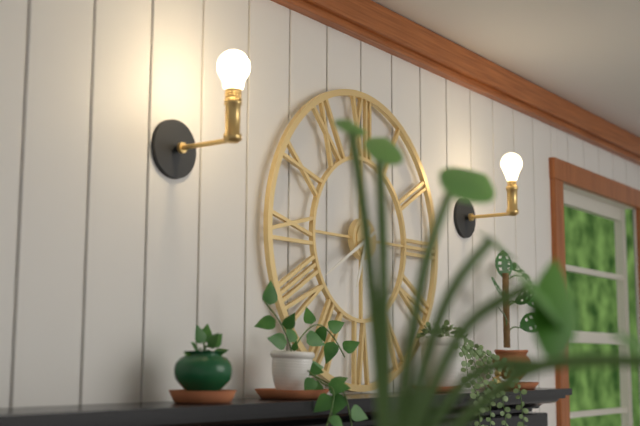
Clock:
6 h 40 min
